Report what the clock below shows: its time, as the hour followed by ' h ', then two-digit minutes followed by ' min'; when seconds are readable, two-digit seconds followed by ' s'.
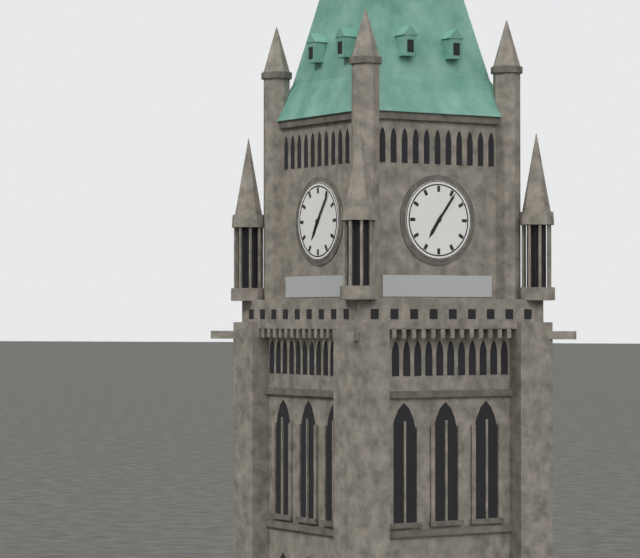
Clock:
7 h 06 min
